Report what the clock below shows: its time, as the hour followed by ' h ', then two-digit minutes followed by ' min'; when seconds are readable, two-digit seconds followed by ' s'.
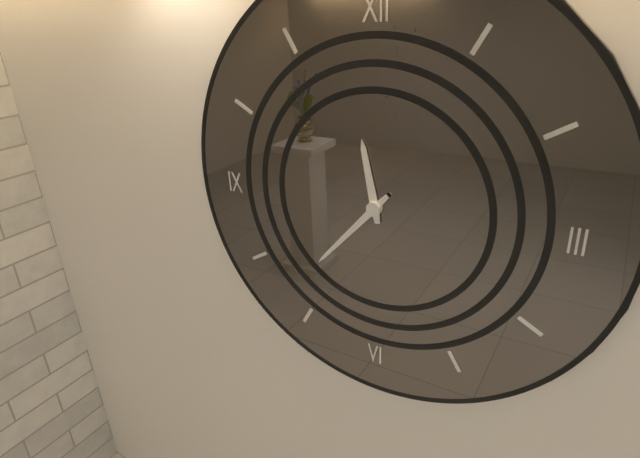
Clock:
11 h 37 min
